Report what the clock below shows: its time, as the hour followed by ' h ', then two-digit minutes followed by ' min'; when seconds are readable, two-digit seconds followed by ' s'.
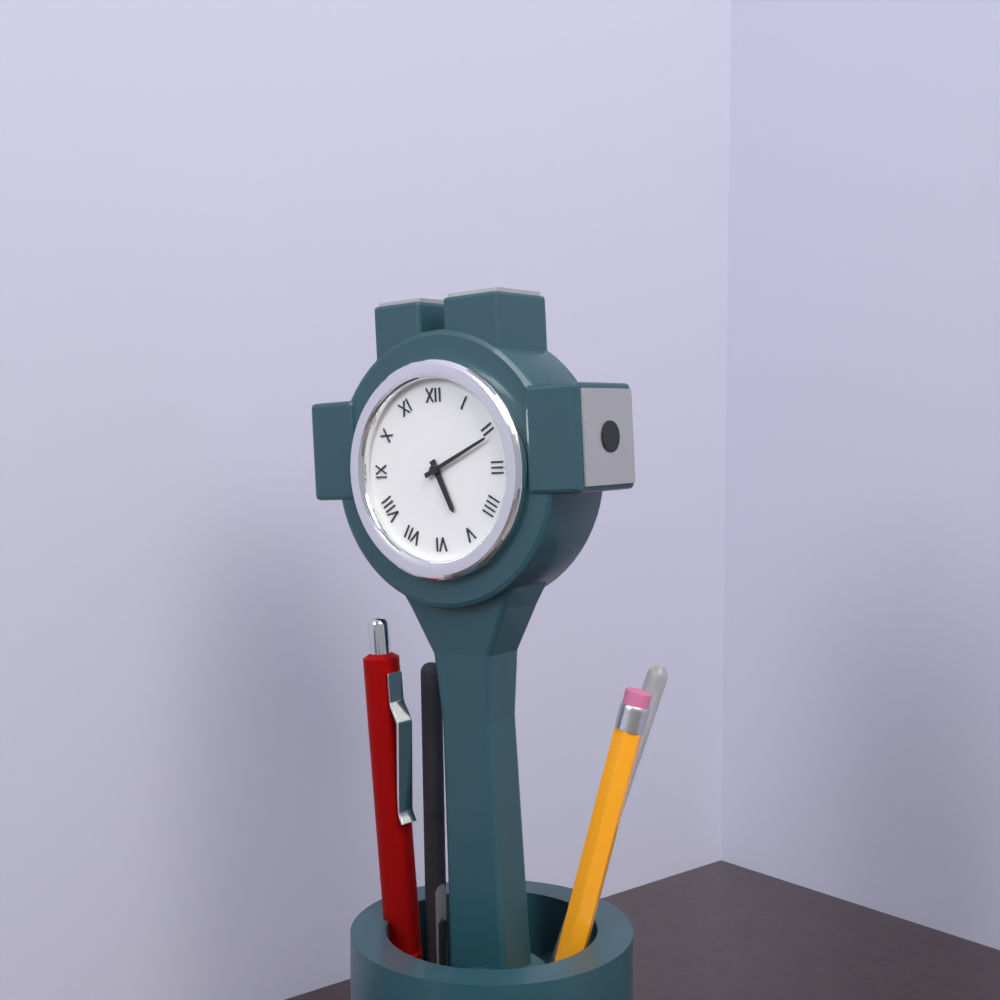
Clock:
5 h 11 min
